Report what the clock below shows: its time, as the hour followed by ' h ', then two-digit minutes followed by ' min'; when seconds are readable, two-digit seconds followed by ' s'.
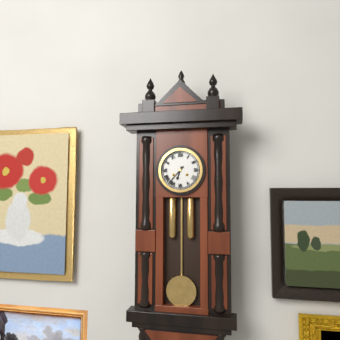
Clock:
6 h 37 min
